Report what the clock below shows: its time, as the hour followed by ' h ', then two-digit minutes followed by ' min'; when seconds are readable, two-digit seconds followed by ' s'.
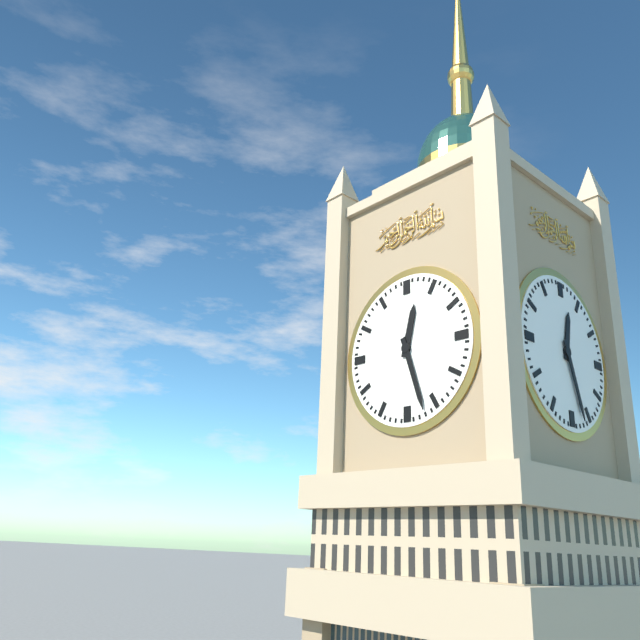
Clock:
12 h 27 min
